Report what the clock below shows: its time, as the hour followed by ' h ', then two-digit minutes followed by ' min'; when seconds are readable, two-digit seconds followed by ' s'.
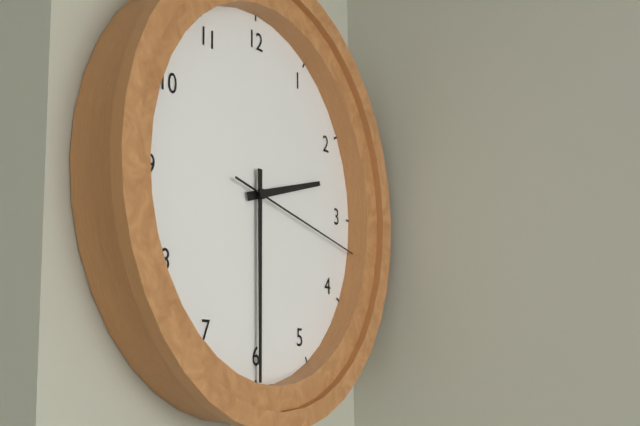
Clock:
2 h 30 min 17 s
